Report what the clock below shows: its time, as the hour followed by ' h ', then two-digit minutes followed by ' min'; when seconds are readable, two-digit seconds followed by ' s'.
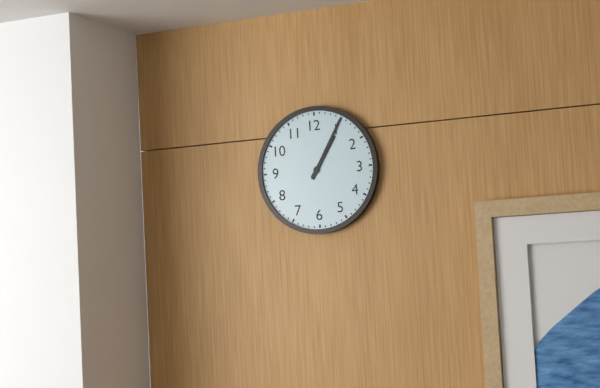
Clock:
1 h 05 min
